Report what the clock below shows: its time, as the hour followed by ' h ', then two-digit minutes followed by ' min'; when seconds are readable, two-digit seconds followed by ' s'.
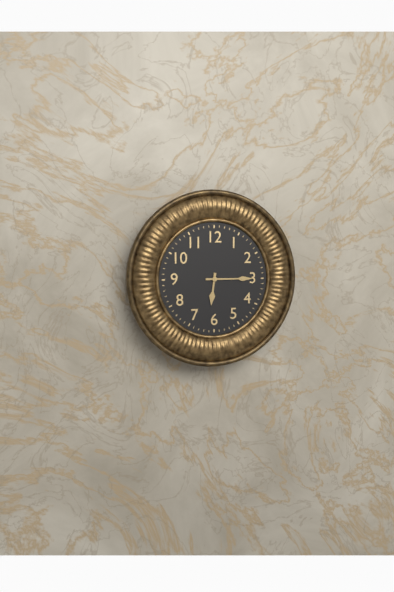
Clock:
6 h 15 min
